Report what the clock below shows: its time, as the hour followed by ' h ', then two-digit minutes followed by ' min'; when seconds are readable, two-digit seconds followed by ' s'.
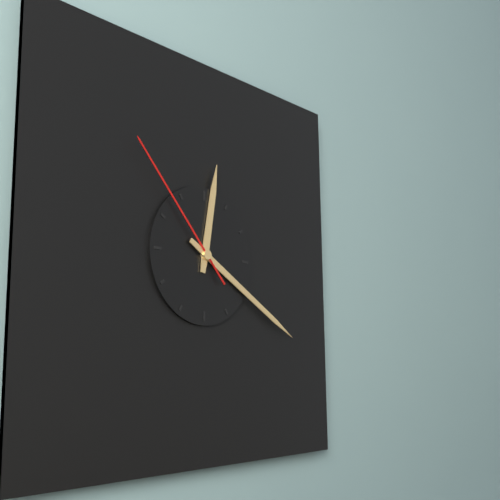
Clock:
12 h 20 min 53 s
